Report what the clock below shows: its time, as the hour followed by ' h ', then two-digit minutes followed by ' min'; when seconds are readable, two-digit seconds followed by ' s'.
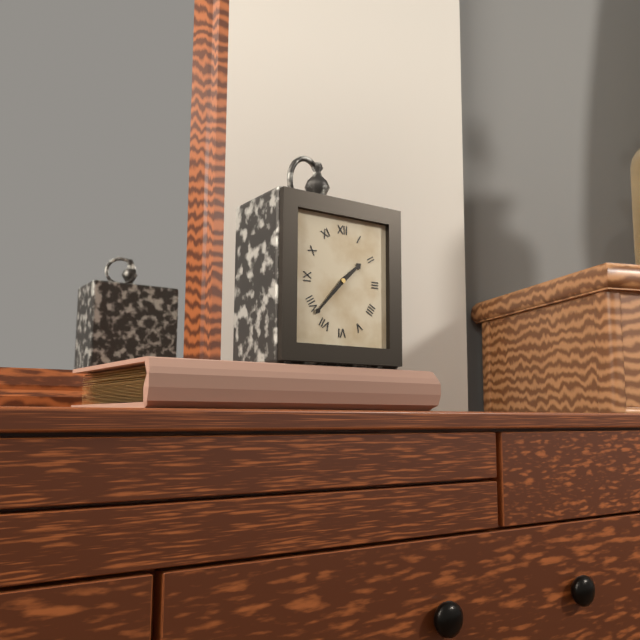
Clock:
1 h 37 min
